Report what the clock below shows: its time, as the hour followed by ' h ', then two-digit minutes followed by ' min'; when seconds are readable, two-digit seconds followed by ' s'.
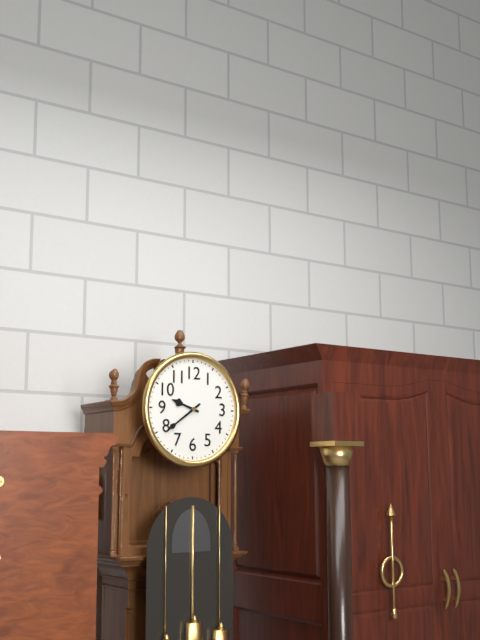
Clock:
9 h 39 min
